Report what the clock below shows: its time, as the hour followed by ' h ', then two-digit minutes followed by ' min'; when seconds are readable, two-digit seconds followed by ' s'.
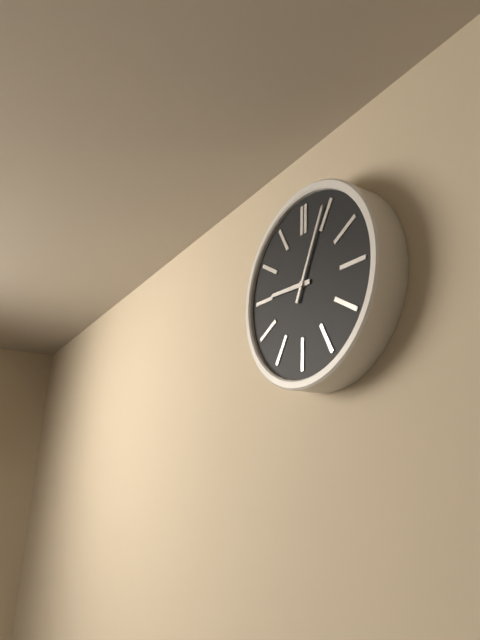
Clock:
9 h 04 min
